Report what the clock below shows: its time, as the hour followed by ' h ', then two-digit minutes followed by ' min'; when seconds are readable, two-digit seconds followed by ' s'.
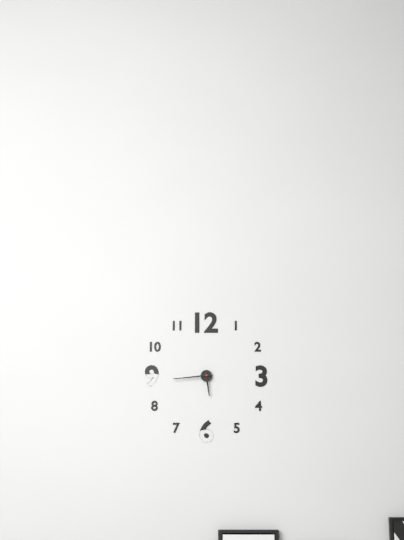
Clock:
5 h 44 min
